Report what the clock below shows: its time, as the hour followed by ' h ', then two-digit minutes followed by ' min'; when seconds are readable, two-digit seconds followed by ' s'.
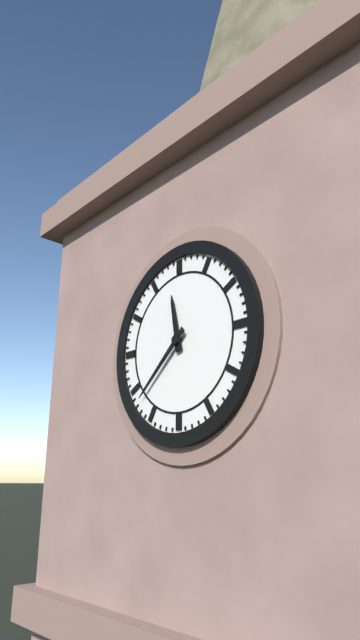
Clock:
11 h 38 min
